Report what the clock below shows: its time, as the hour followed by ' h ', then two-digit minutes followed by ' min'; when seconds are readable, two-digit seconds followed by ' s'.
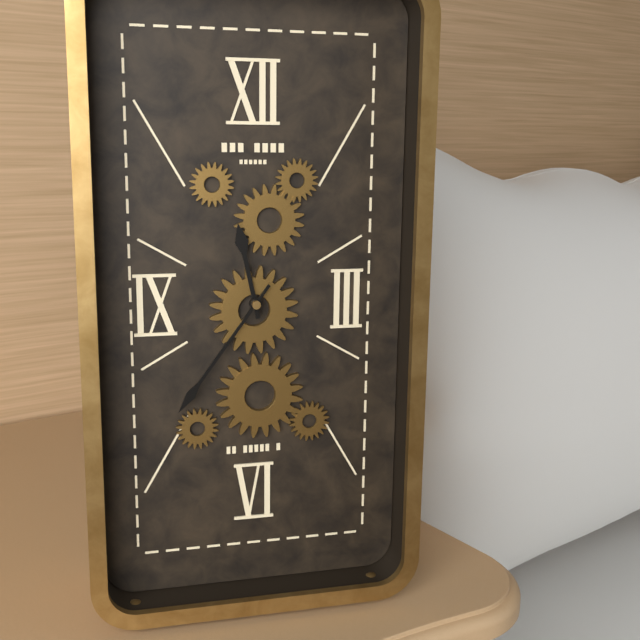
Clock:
11 h 36 min
